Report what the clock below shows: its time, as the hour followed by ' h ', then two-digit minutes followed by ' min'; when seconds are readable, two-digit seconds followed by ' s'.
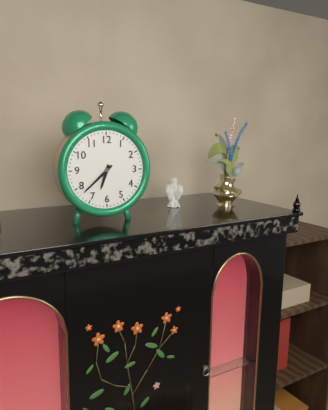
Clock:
6 h 38 min
